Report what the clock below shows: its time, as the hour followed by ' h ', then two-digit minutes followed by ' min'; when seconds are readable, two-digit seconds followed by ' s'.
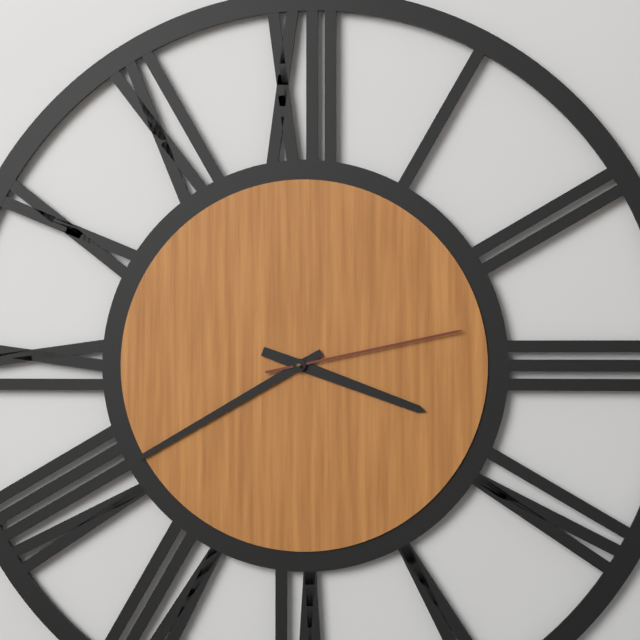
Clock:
3 h 40 min 13 s
